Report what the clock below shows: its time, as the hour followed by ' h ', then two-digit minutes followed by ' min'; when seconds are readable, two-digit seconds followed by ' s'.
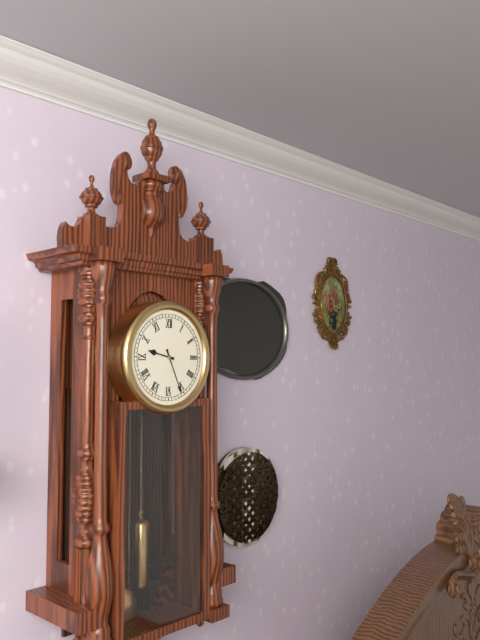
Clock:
9 h 26 min
